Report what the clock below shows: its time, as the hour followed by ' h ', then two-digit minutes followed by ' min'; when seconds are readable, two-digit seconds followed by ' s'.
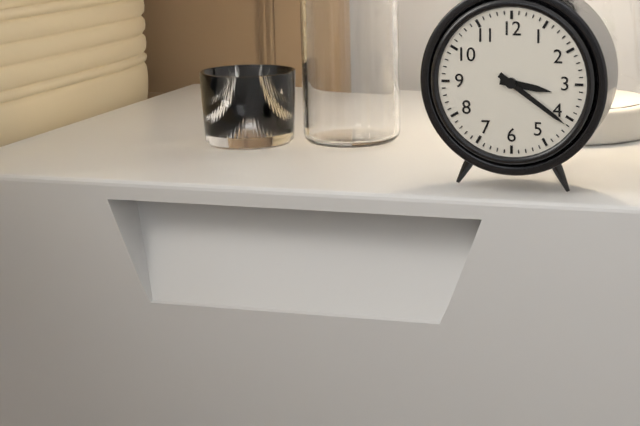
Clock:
3 h 21 min
